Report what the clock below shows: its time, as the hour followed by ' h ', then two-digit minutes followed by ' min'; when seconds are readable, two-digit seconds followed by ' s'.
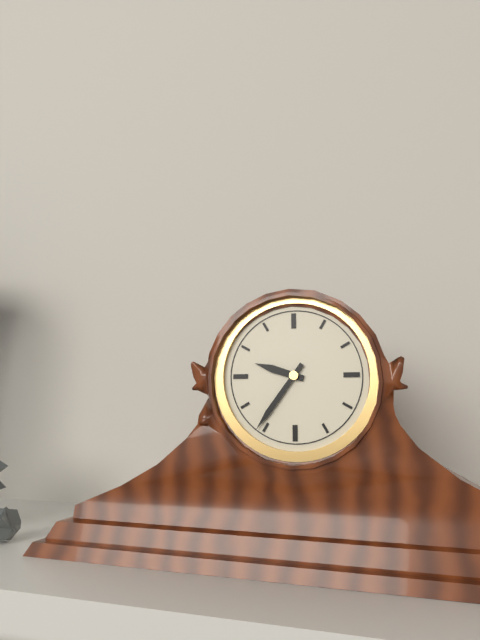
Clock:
9 h 36 min
